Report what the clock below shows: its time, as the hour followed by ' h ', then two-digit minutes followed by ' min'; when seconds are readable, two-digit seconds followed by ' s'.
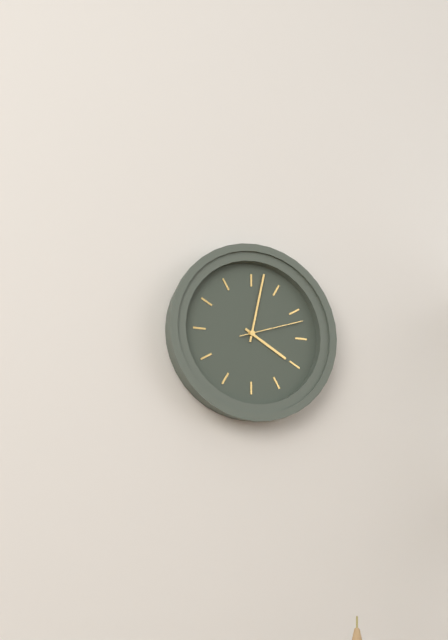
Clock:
4 h 02 min 12 s
